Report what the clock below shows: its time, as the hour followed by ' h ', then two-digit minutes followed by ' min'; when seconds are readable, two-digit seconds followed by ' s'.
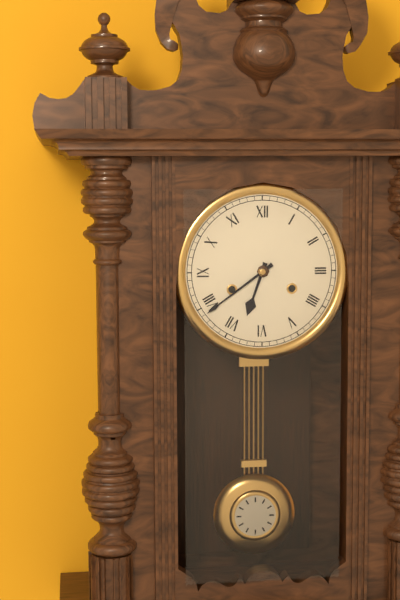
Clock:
6 h 39 min
